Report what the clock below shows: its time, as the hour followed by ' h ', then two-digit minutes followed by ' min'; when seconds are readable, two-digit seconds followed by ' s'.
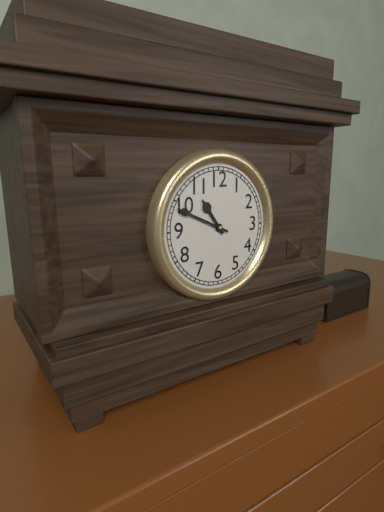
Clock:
10 h 49 min
